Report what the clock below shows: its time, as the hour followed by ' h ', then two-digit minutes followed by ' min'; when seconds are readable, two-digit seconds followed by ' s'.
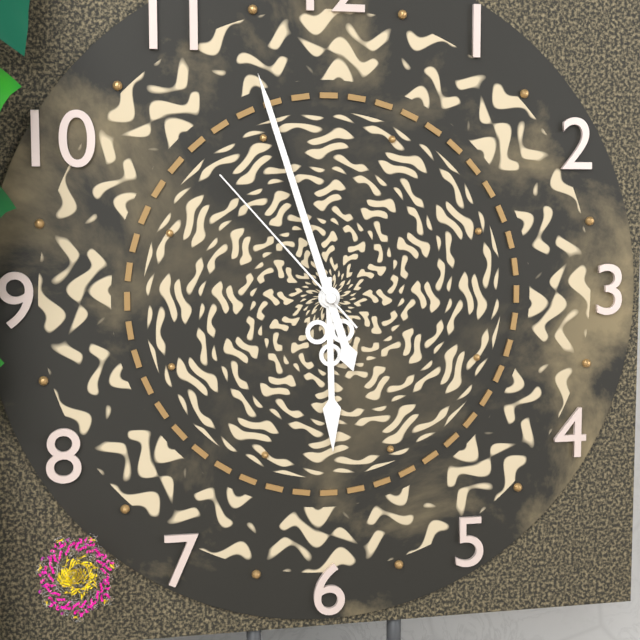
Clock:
5 h 57 min 53 s
